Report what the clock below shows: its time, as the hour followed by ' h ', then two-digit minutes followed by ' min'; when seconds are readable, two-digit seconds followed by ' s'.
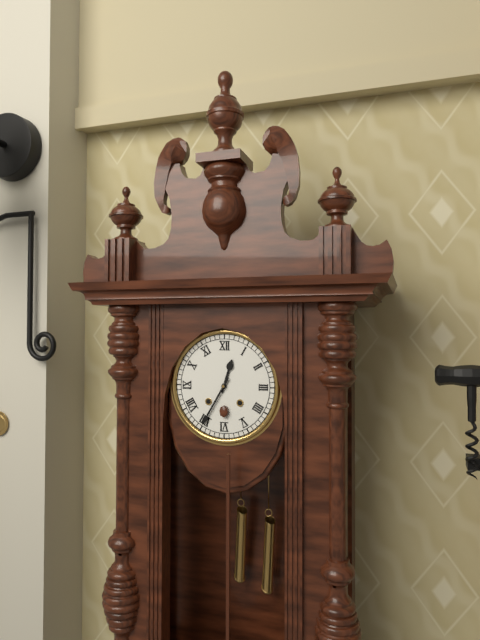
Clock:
12 h 35 min
